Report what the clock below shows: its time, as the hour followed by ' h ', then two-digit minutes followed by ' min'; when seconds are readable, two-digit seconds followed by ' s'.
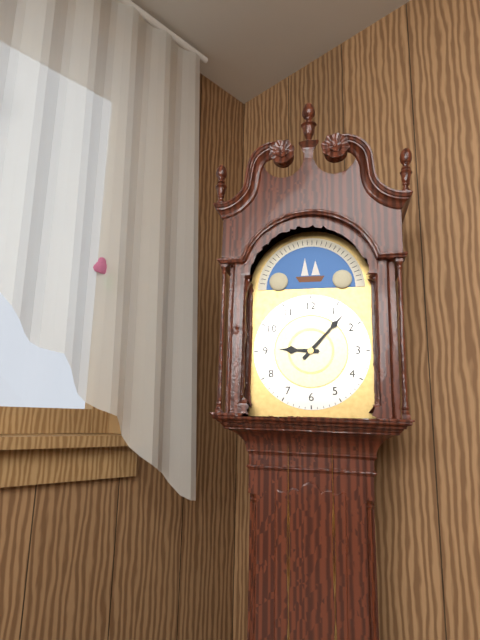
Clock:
9 h 07 min
